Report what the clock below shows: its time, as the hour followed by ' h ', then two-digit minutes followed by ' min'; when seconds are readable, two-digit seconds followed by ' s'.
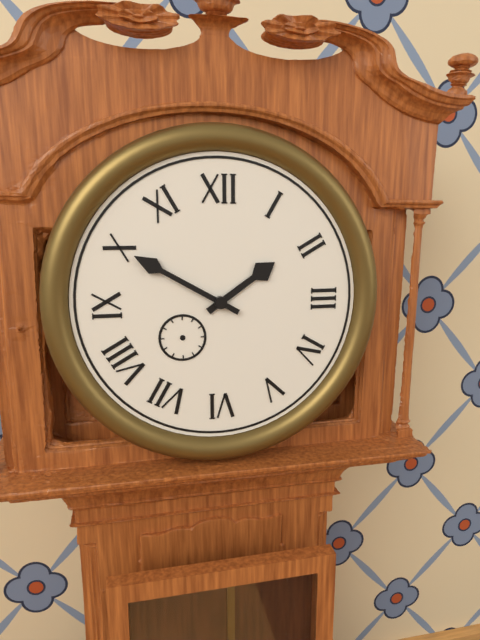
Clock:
1 h 50 min
